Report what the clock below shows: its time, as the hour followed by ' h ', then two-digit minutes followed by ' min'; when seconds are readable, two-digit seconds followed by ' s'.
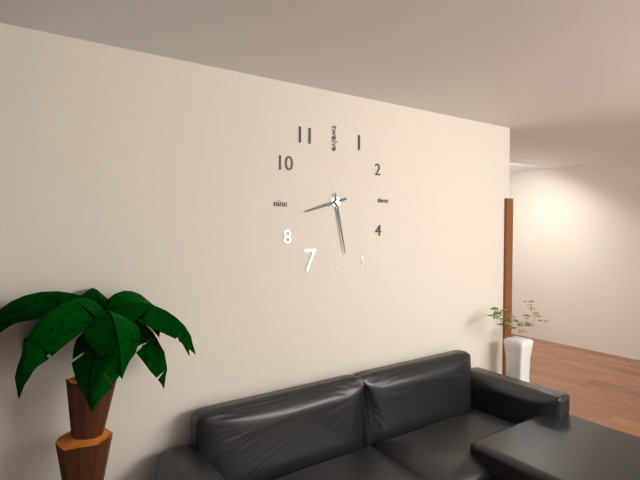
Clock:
8 h 28 min
